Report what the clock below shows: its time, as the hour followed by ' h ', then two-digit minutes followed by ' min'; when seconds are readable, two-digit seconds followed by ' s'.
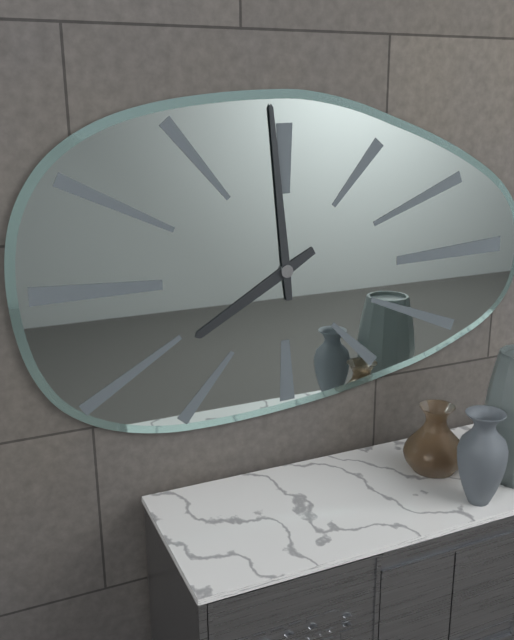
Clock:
7 h 59 min
